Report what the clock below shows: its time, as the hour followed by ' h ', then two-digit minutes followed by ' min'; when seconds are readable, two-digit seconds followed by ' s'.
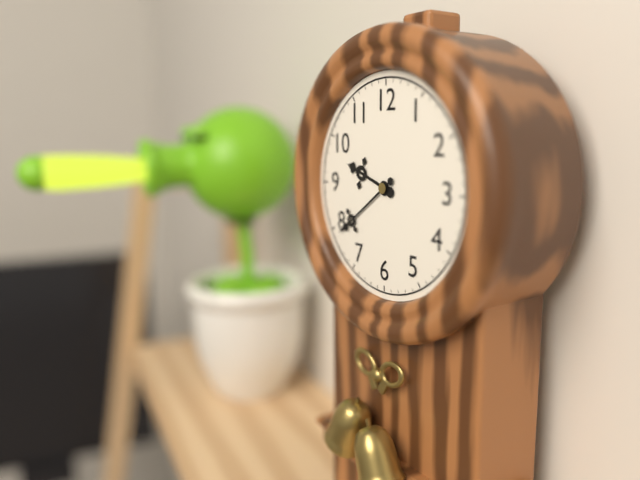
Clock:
9 h 39 min
